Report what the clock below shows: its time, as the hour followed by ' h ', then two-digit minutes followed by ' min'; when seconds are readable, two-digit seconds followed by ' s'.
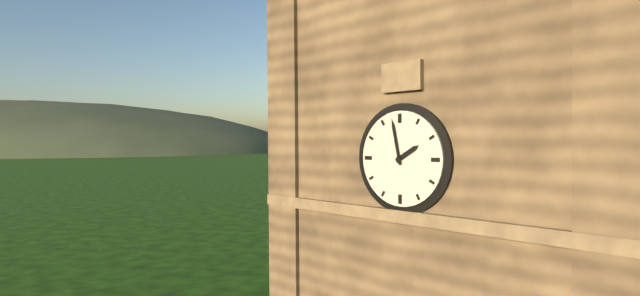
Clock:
1 h 58 min
